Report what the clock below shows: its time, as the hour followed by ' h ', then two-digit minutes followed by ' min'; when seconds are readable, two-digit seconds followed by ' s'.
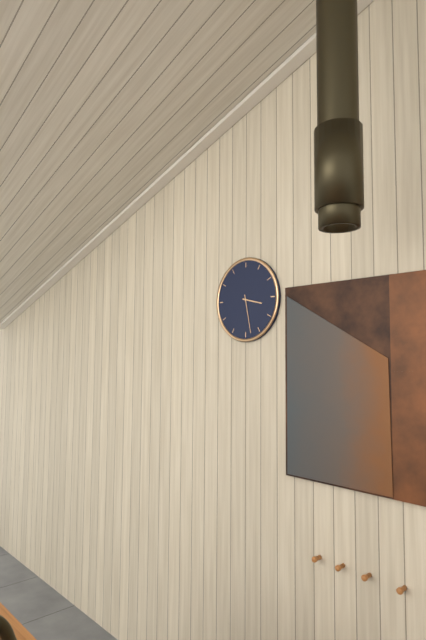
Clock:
3 h 28 min
